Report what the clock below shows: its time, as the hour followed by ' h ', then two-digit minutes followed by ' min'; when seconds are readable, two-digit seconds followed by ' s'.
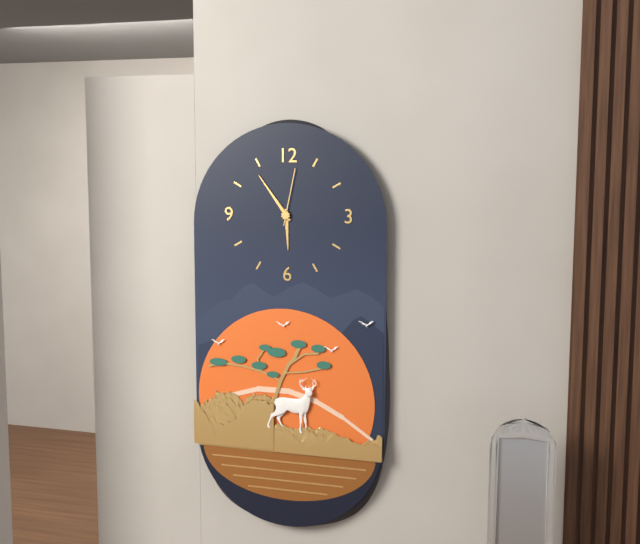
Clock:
5 h 54 min 02 s
